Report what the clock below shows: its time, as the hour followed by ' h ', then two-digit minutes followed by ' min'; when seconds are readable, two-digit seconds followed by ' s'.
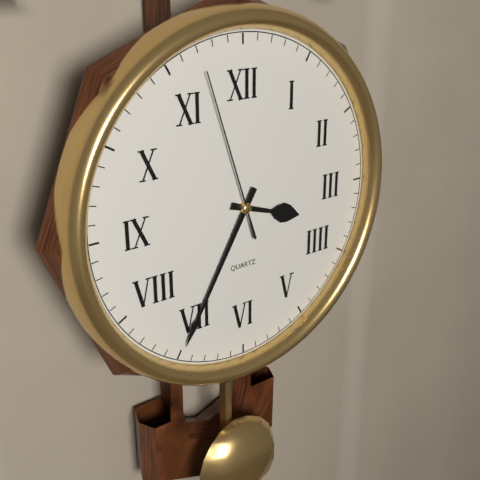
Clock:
3 h 35 min 57 s
